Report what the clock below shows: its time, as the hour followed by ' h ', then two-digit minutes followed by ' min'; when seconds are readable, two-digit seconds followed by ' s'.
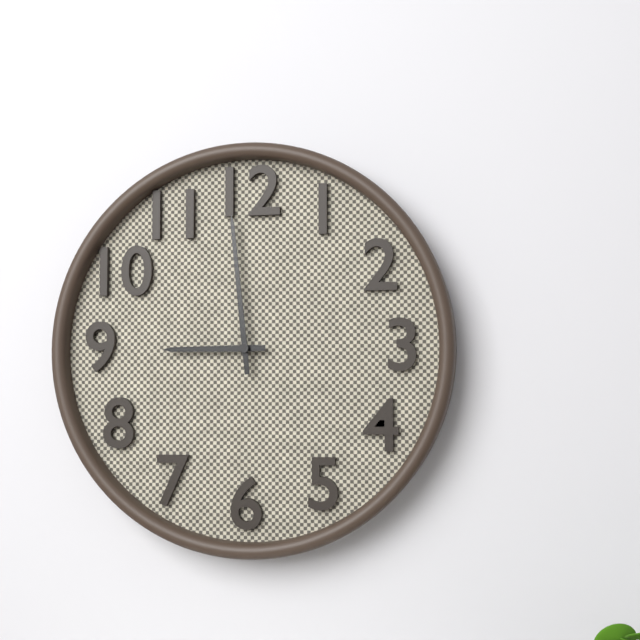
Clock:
8 h 59 min
